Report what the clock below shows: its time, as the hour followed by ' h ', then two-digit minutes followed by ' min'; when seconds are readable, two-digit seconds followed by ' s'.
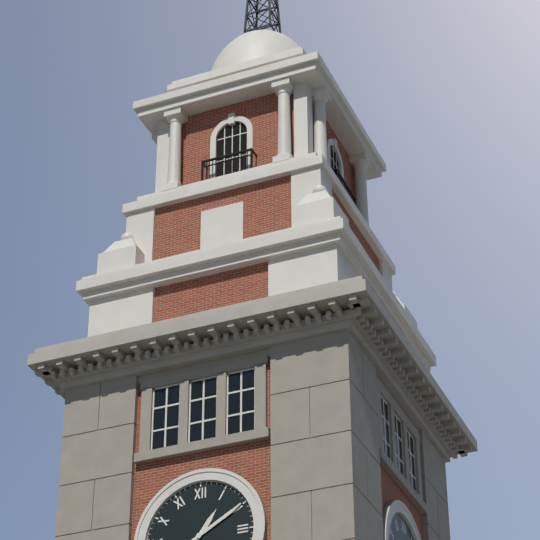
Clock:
1 h 10 min
